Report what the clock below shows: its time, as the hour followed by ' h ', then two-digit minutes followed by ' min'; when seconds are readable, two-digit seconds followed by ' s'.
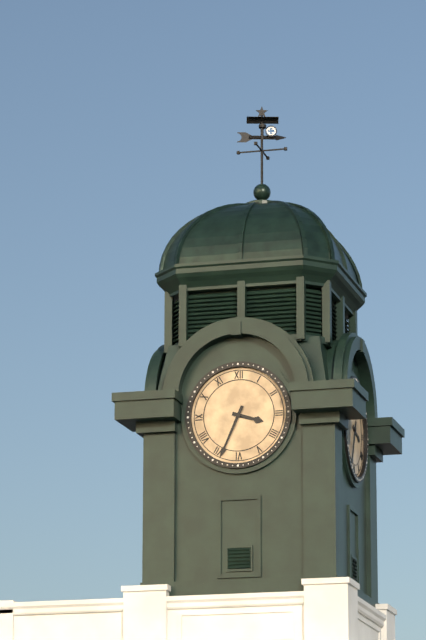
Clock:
3 h 34 min
